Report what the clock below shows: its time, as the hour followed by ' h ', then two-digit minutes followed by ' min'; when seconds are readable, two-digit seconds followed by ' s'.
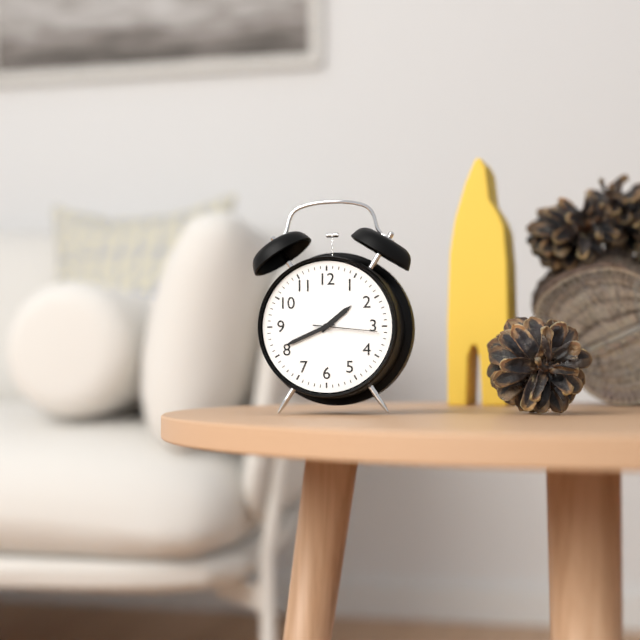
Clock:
1 h 41 min 16 s
